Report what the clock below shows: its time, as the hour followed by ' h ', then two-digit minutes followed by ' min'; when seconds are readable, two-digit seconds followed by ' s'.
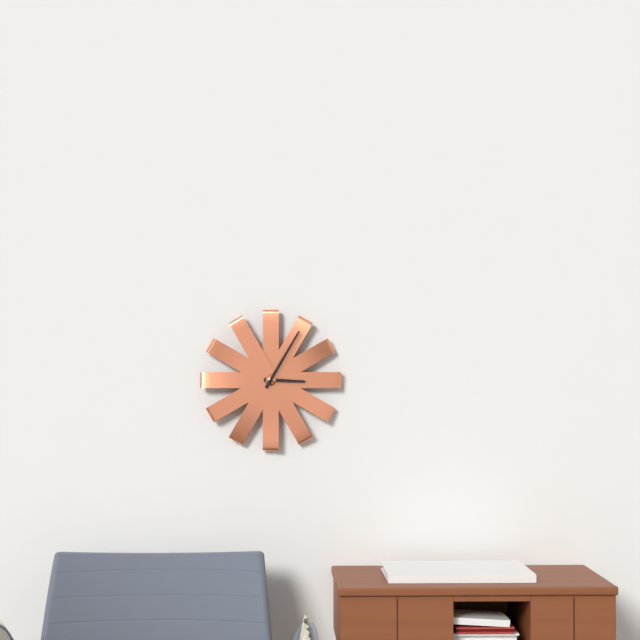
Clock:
3 h 05 min
